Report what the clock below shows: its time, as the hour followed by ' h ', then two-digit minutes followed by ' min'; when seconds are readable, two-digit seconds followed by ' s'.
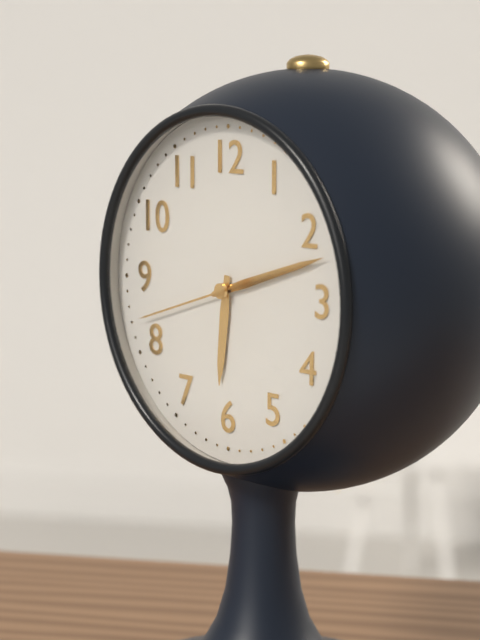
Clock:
6 h 12 min 42 s
